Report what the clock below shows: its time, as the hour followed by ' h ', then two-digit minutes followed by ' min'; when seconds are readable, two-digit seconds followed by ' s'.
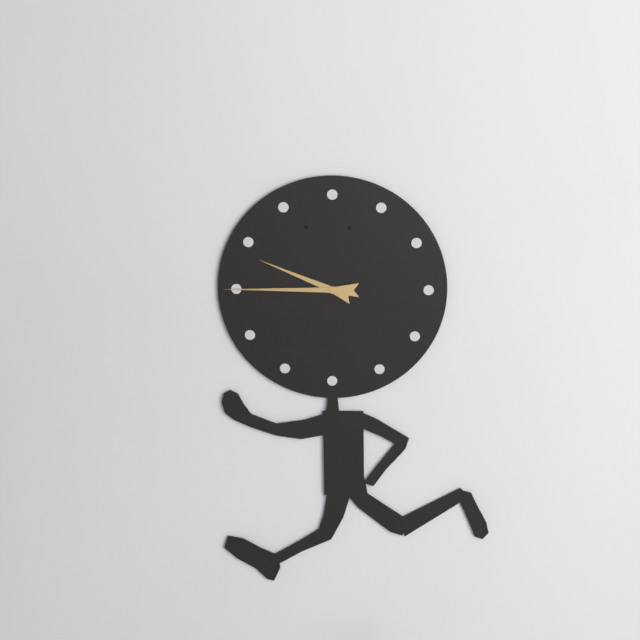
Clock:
9 h 45 min
